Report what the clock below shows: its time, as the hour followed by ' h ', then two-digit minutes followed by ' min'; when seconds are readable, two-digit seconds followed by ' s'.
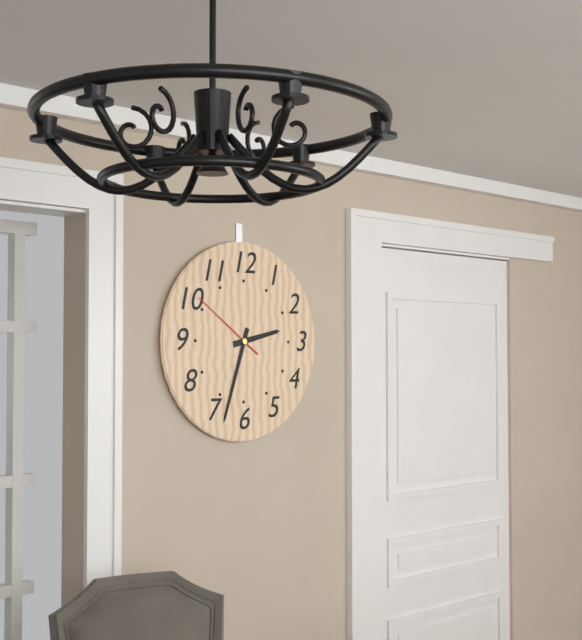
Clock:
2 h 33 min 51 s
